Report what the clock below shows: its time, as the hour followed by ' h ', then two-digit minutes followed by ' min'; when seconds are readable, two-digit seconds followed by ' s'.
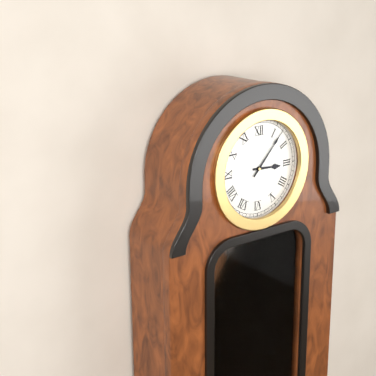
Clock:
3 h 07 min
